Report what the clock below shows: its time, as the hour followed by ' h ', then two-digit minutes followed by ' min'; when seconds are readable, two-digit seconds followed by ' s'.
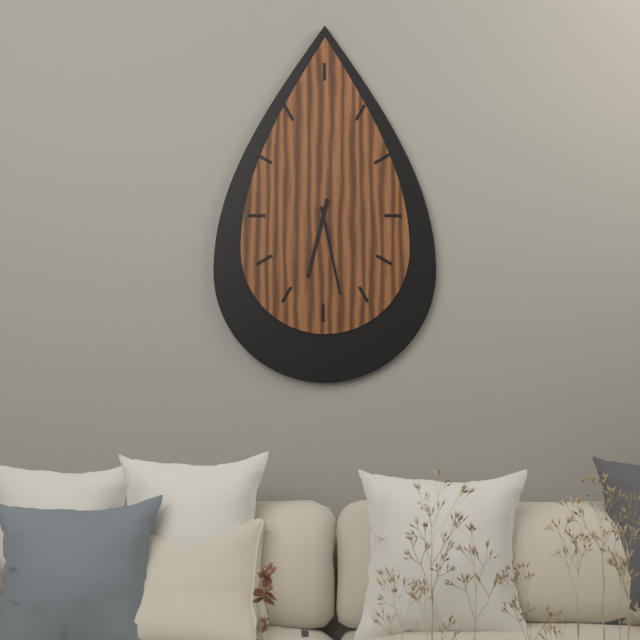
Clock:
6 h 28 min
